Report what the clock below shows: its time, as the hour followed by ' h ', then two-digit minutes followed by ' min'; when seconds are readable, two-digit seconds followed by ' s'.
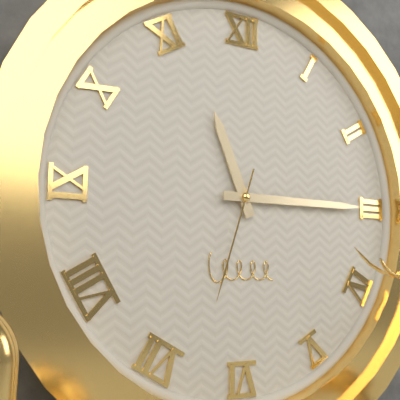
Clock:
11 h 15 min 33 s
